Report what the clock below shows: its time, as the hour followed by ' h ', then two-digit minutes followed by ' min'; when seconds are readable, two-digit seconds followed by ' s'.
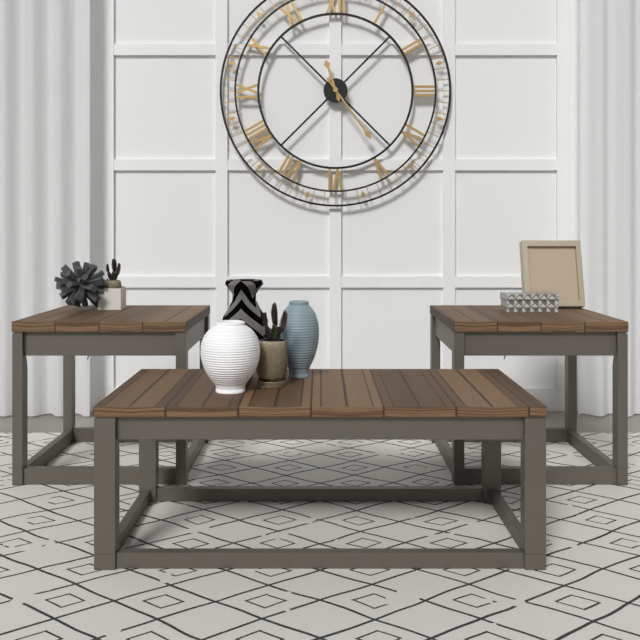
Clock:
11 h 24 min
